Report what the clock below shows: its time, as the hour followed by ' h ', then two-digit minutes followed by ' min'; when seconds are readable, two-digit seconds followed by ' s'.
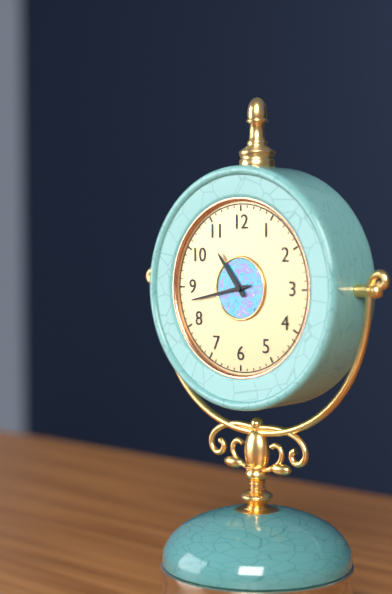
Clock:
10 h 43 min
